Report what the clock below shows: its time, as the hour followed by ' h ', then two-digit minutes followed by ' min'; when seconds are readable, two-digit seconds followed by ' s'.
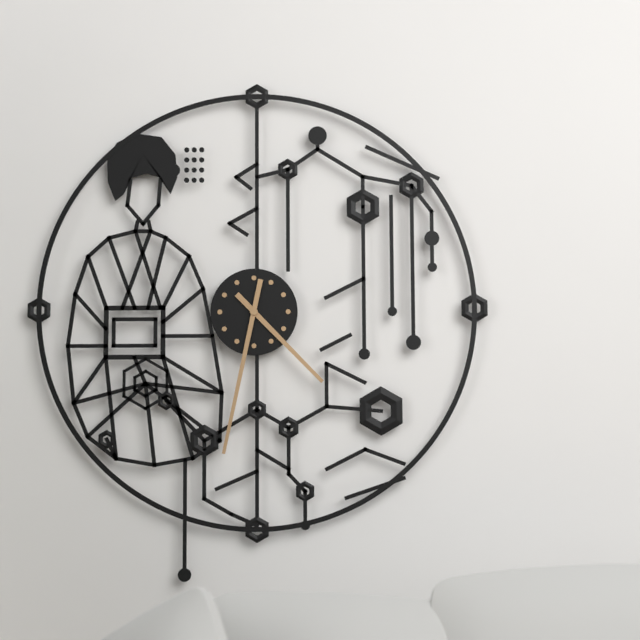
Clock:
4 h 32 min
